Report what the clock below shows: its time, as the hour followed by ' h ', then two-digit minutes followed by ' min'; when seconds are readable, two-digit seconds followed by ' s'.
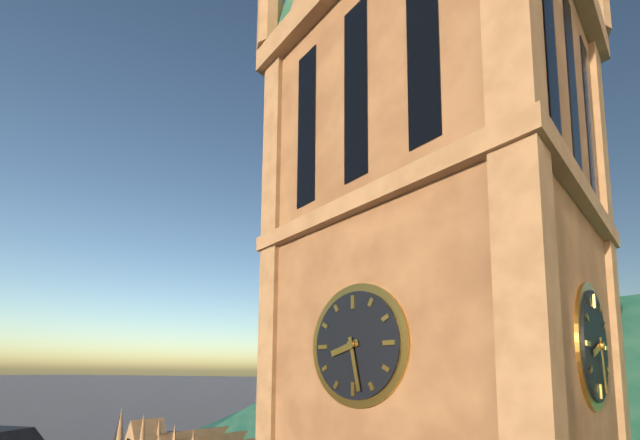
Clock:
8 h 28 min
